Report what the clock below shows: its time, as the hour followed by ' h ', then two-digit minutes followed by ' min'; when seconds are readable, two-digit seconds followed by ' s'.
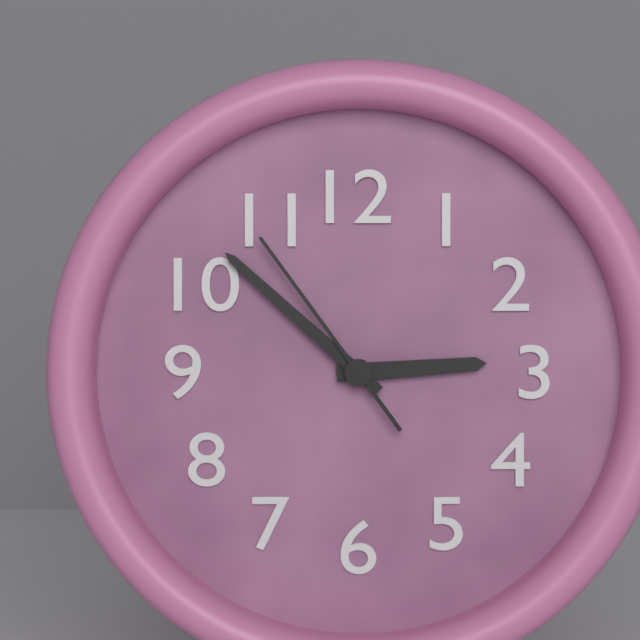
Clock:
2 h 52 min 54 s
